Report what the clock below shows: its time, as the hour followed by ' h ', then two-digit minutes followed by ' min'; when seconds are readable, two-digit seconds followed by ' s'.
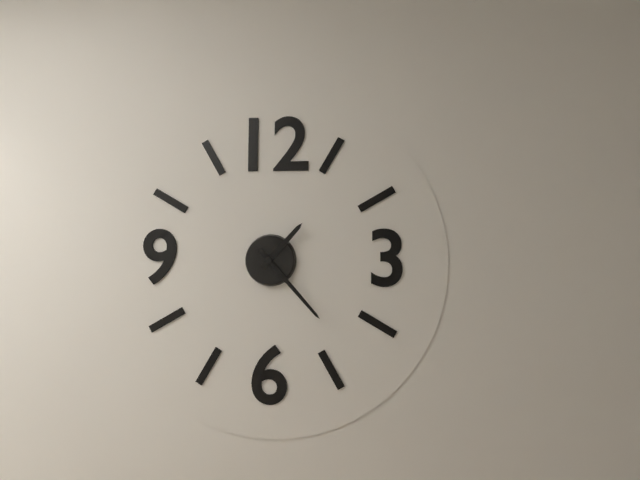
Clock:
1 h 23 min
